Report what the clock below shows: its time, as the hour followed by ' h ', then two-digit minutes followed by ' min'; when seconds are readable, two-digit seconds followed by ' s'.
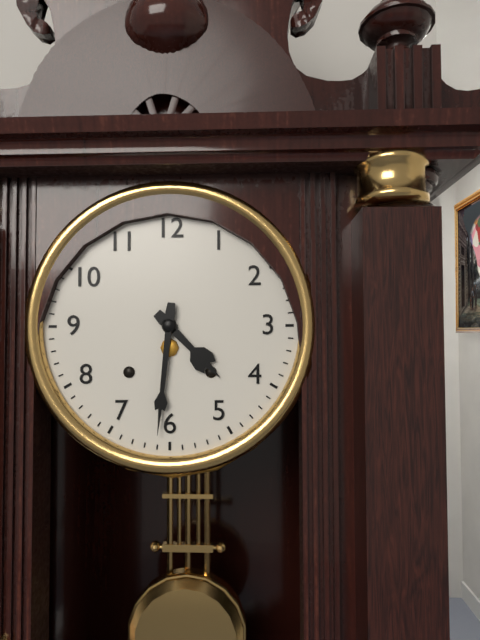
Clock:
4 h 31 min
